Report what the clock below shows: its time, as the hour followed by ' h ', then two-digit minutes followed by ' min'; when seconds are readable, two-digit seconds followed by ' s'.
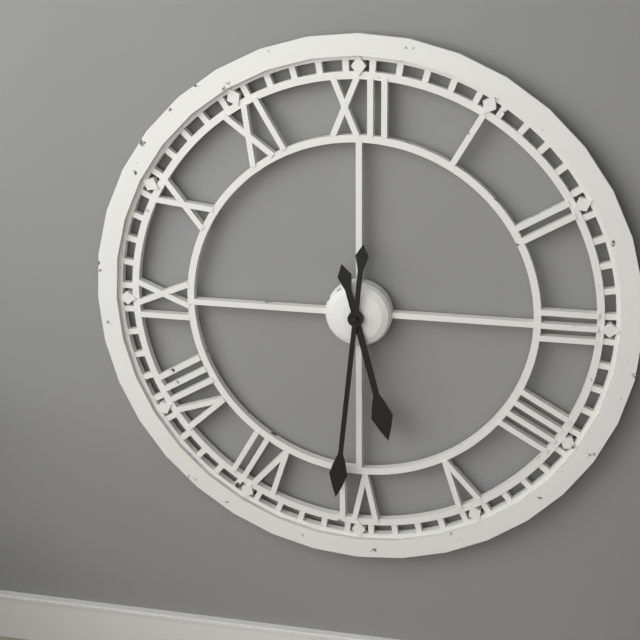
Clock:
5 h 31 min
